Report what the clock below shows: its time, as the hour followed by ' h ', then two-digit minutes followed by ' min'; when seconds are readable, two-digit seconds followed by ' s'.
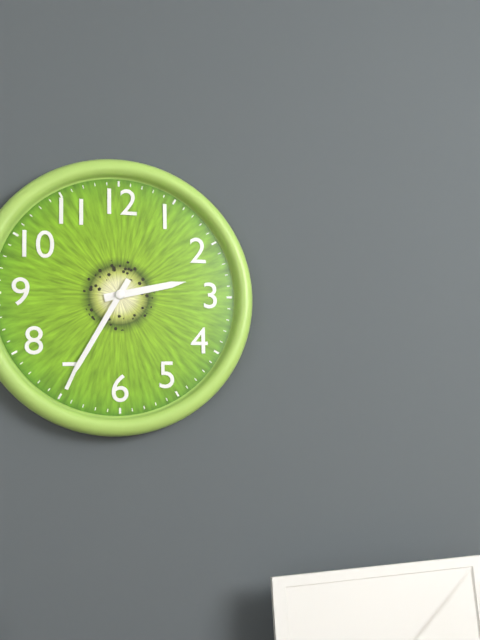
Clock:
2 h 35 min
